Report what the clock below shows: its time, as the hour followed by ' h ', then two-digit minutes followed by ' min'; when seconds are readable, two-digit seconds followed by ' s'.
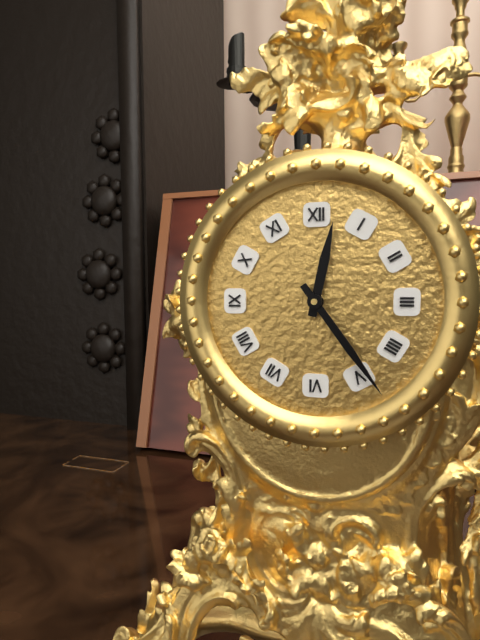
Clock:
12 h 24 min
